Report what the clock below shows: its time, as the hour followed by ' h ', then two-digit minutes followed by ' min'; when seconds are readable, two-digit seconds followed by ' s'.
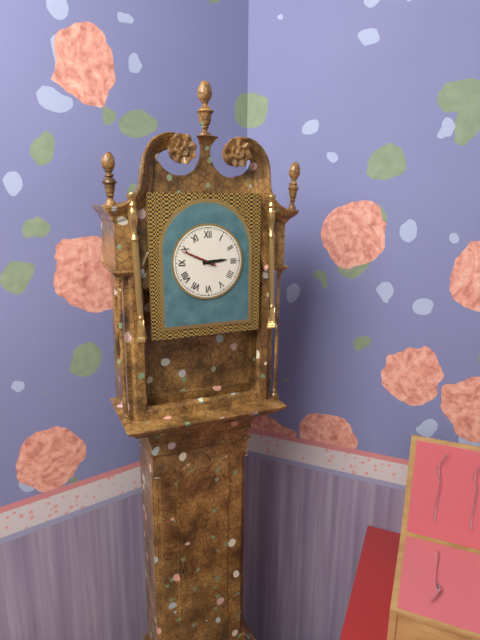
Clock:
2 h 49 min
